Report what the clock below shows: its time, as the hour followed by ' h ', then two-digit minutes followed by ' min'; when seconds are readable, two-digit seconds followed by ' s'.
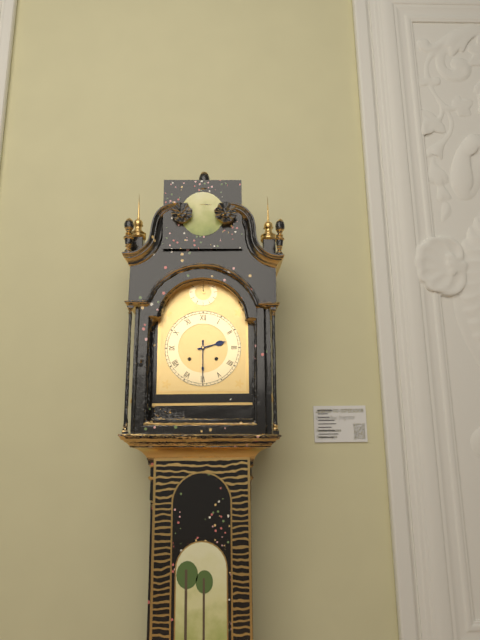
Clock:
2 h 30 min
